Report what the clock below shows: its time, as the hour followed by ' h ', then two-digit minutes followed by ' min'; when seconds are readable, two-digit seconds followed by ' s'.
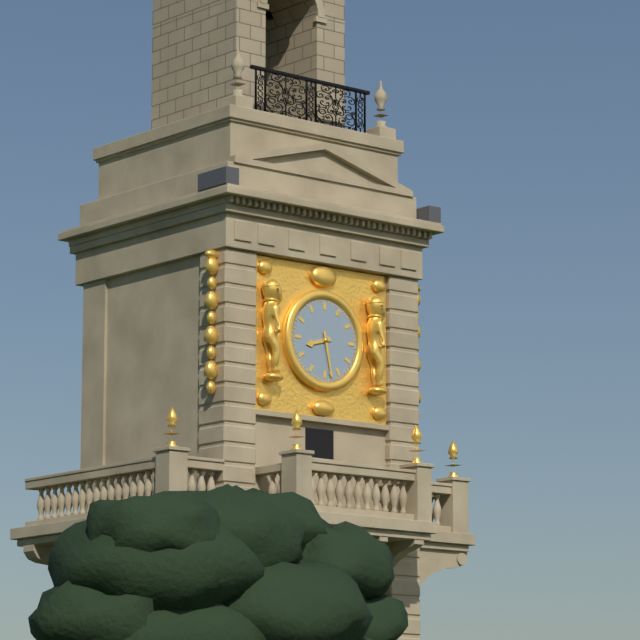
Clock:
8 h 28 min
